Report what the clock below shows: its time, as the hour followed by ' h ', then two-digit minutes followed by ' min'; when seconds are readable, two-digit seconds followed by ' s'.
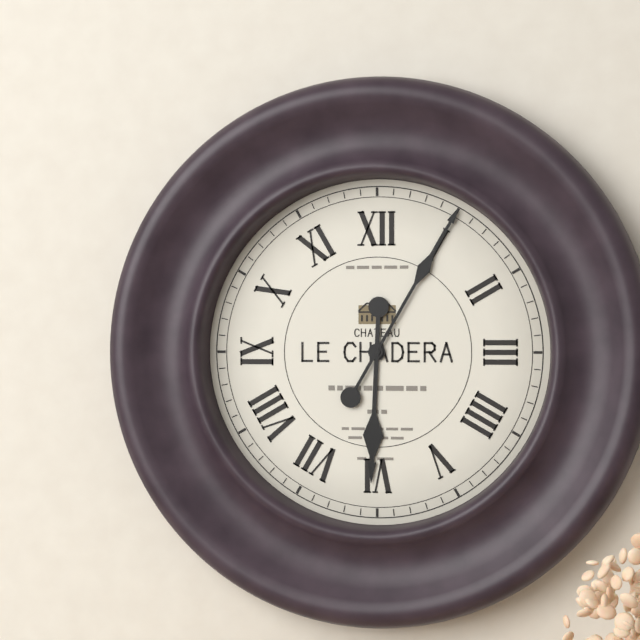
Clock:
6 h 05 min
